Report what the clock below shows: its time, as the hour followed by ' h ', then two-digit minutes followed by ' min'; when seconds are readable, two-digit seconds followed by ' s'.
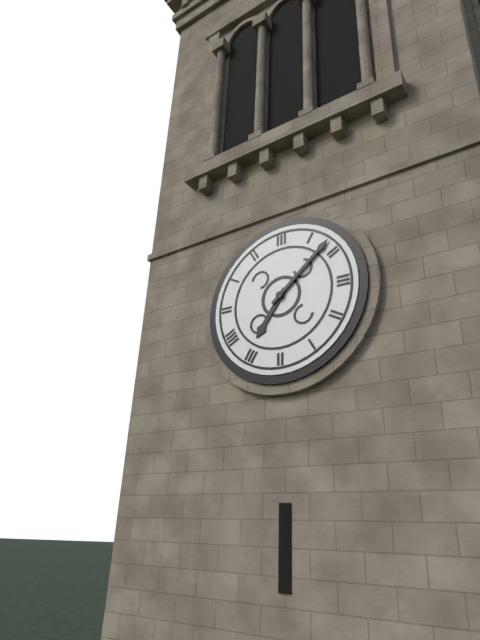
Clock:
7 h 08 min
